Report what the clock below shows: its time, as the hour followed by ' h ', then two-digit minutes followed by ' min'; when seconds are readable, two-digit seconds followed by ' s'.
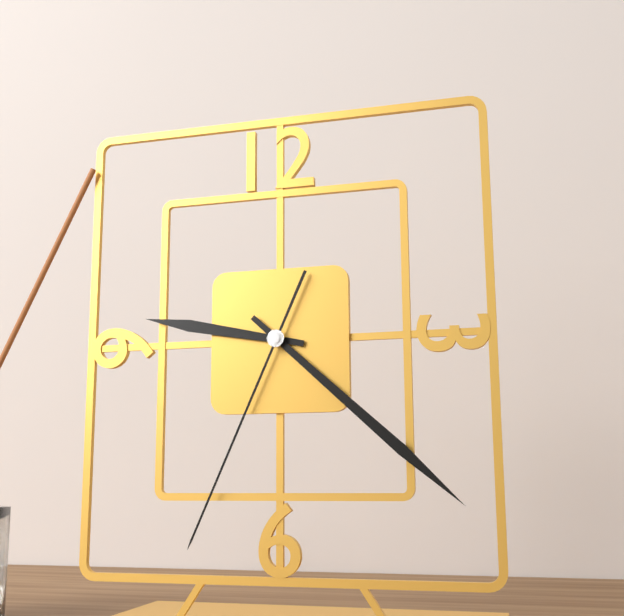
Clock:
9 h 22 min 34 s
